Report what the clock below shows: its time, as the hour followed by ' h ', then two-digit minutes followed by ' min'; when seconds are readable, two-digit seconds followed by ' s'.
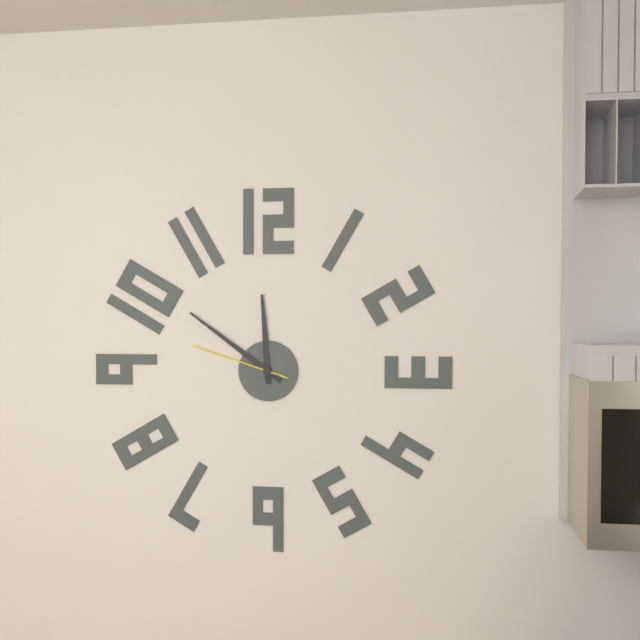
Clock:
11 h 51 min 48 s
